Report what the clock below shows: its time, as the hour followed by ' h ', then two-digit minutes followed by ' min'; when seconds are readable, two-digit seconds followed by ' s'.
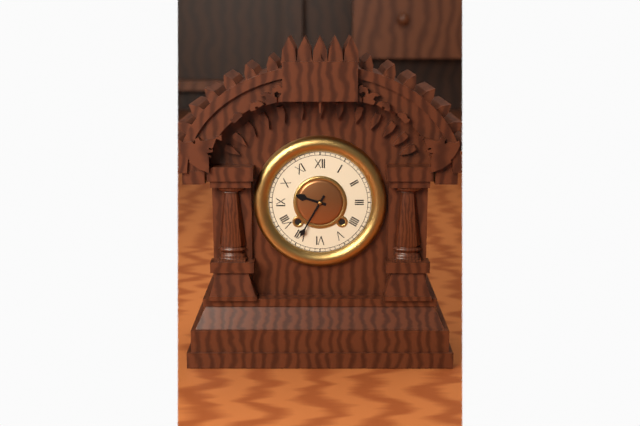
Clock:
9 h 35 min
